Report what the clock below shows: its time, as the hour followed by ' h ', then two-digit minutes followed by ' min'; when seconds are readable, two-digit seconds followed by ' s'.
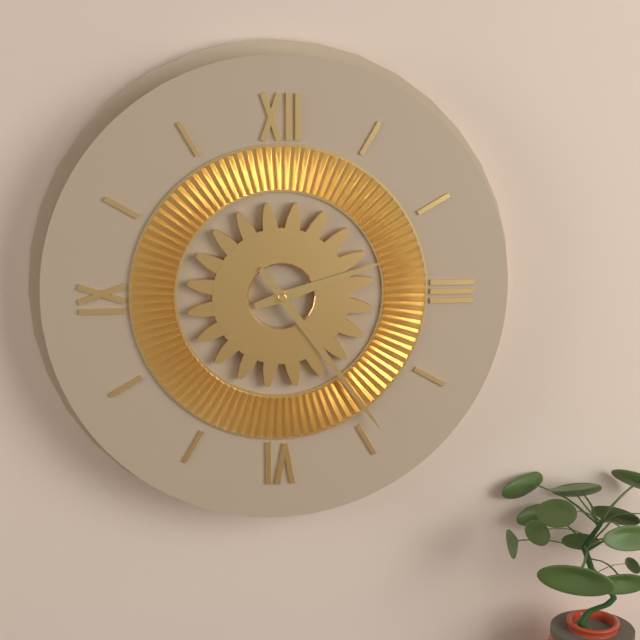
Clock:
2 h 24 min
